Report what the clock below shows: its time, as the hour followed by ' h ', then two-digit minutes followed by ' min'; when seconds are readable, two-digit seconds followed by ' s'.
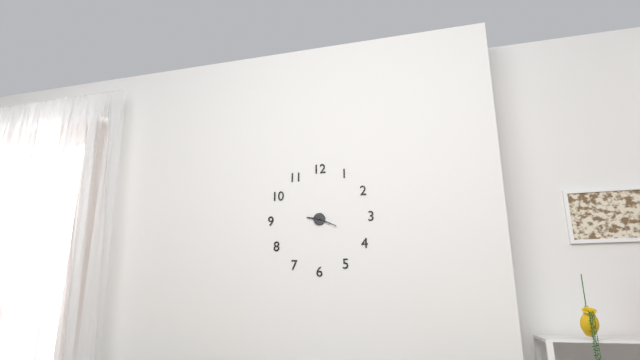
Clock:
9 h 19 min
